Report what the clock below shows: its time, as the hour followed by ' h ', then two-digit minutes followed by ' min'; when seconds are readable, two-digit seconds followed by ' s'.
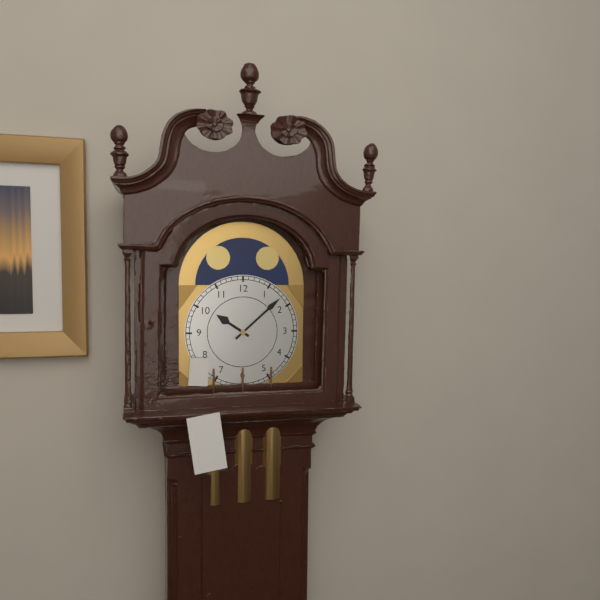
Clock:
10 h 08 min
